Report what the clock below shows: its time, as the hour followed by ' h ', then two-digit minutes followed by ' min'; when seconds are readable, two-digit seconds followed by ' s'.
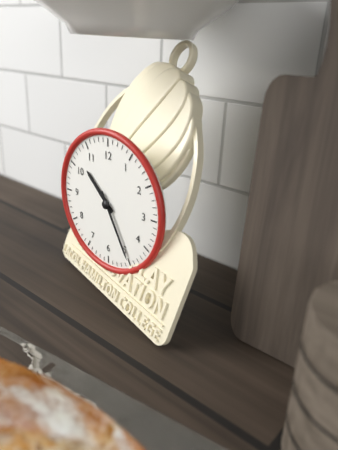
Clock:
10 h 25 min
